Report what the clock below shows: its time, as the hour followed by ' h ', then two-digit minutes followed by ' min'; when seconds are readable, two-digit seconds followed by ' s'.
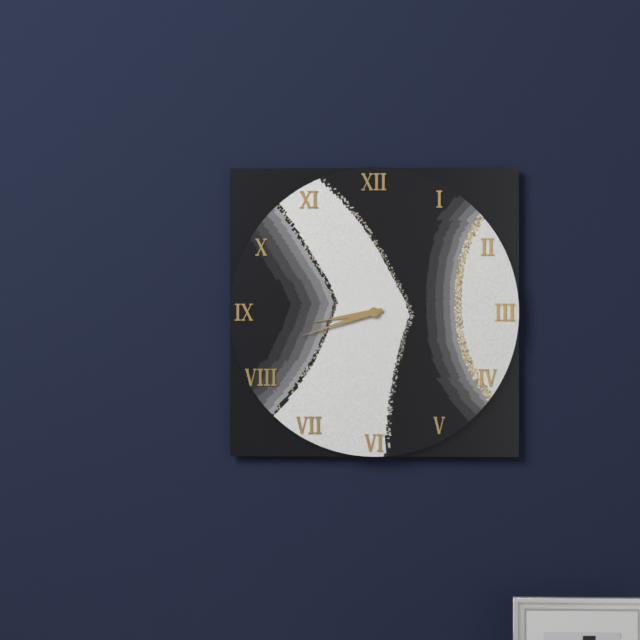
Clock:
8 h 42 min
